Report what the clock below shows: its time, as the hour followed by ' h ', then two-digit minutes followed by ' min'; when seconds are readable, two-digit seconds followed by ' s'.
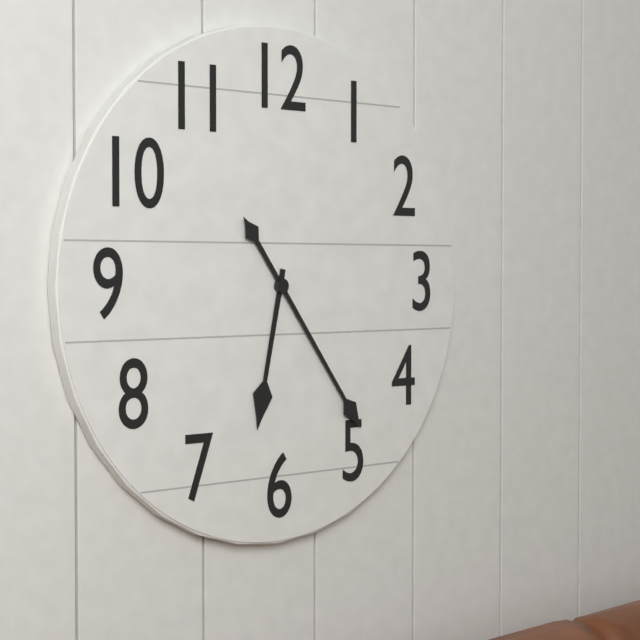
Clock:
6 h 24 min
